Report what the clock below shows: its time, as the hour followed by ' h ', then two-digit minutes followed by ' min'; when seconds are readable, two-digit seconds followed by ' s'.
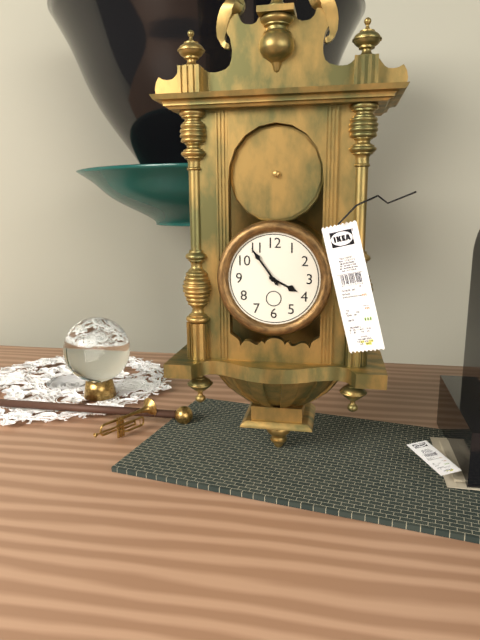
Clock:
3 h 54 min
